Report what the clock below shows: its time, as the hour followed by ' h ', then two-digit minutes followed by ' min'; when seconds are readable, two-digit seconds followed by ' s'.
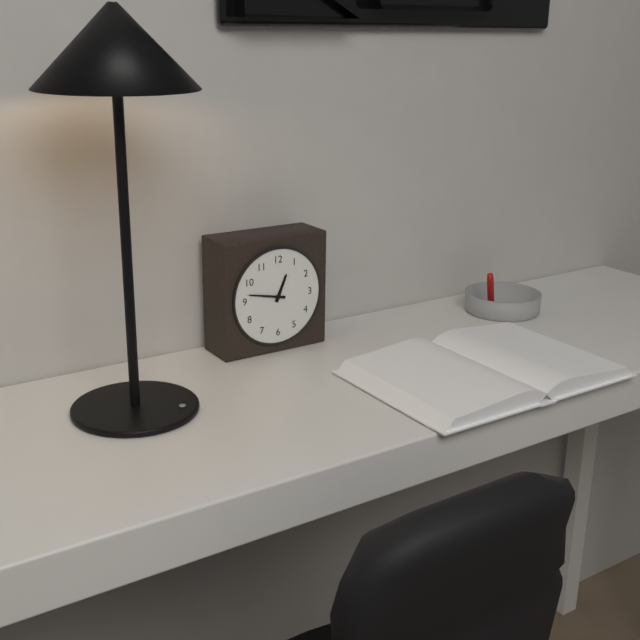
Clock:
12 h 47 min
